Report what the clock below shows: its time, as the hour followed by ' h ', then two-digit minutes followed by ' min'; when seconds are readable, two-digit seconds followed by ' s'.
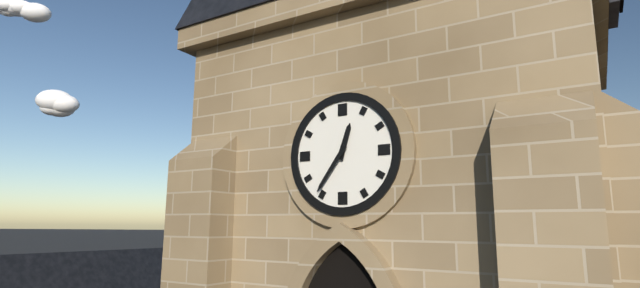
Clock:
12 h 36 min
